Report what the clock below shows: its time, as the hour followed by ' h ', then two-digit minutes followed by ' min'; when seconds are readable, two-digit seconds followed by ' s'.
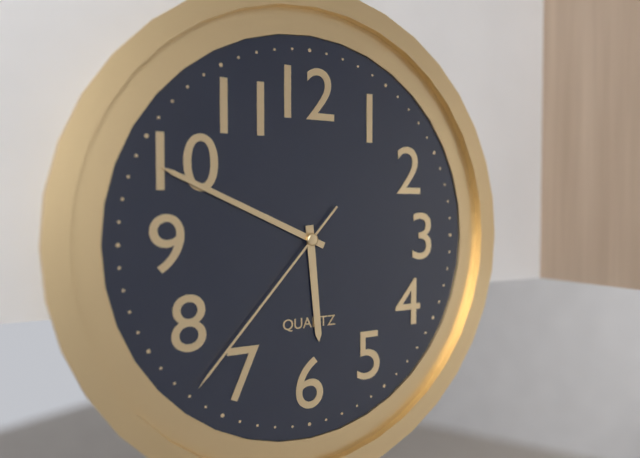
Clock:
5 h 49 min 37 s
